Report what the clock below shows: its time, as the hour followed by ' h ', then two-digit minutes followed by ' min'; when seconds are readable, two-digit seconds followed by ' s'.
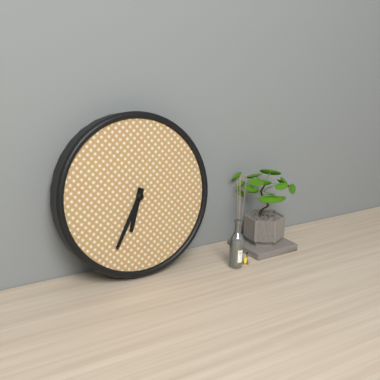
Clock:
6 h 35 min
